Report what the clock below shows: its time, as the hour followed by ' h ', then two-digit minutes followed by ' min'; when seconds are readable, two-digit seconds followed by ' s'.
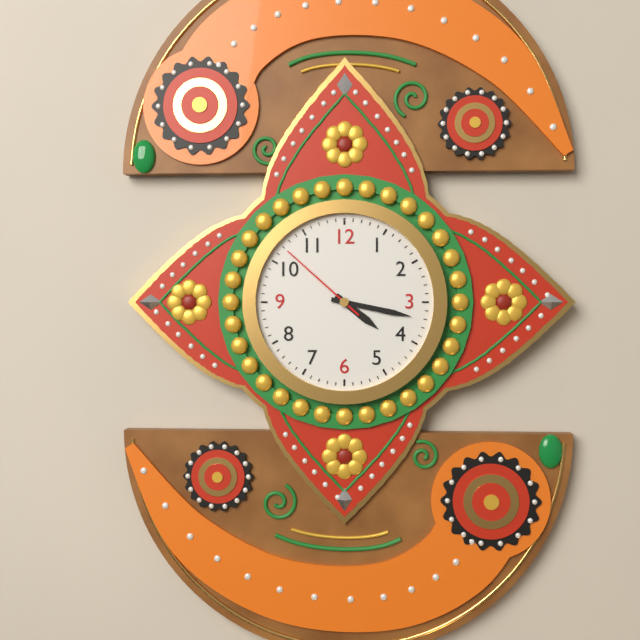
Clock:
4 h 17 min 52 s
